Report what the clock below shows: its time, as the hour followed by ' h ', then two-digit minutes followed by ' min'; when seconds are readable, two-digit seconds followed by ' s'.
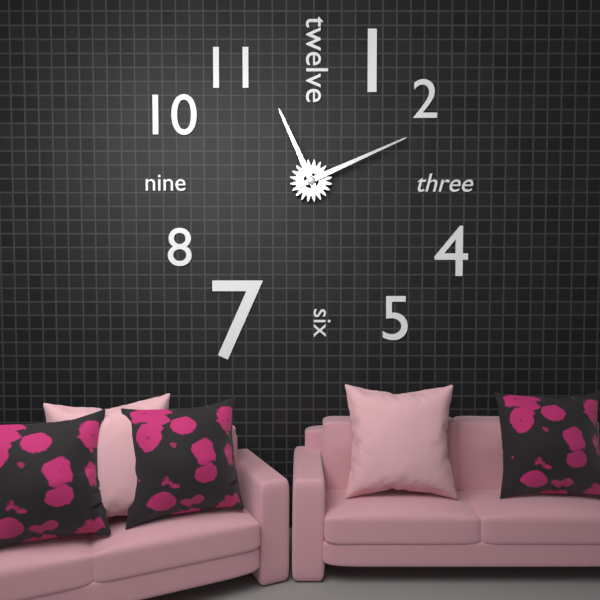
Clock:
11 h 11 min
